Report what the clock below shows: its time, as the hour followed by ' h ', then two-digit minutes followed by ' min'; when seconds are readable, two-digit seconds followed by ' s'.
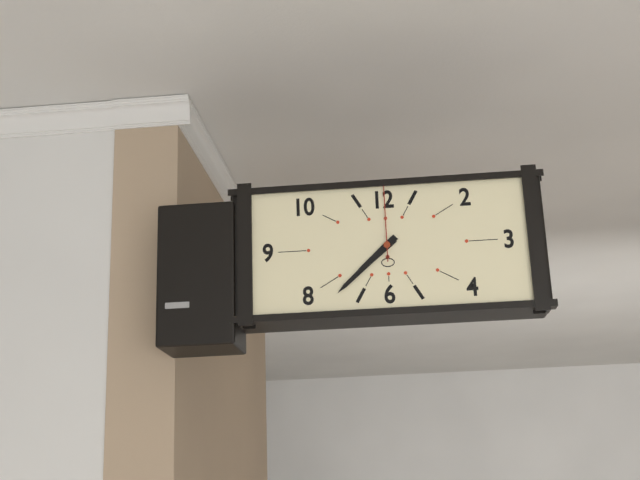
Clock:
7 h 38 min 00 s
